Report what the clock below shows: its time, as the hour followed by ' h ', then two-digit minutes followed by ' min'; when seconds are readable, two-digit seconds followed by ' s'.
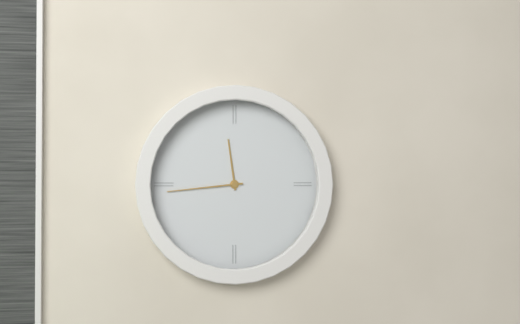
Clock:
11 h 44 min
